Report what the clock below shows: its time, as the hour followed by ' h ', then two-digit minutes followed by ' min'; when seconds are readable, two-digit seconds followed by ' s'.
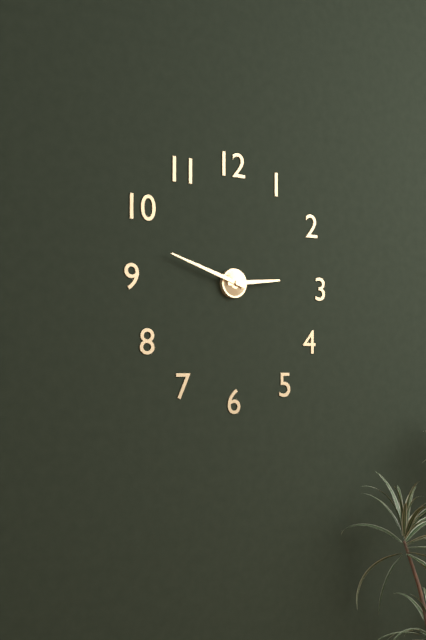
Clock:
2 h 48 min
